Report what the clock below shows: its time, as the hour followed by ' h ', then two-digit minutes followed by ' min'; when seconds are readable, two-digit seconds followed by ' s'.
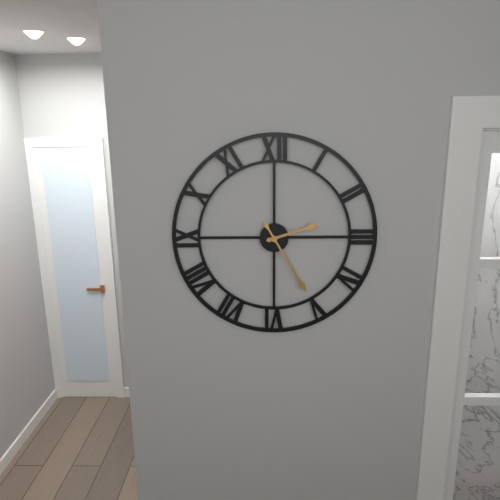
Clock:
2 h 25 min
